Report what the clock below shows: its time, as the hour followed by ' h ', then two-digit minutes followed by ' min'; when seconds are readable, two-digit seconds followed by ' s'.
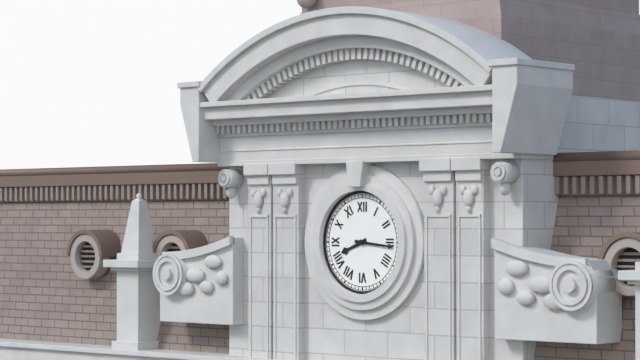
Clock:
8 h 16 min
